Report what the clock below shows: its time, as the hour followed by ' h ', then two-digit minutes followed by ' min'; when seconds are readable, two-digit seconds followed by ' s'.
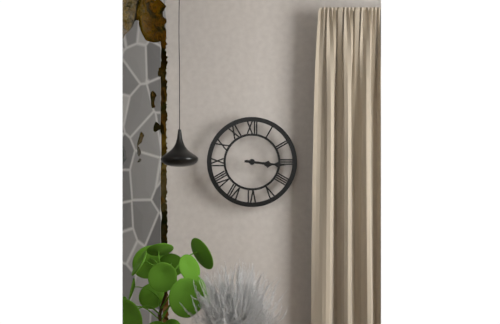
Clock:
3 h 16 min
